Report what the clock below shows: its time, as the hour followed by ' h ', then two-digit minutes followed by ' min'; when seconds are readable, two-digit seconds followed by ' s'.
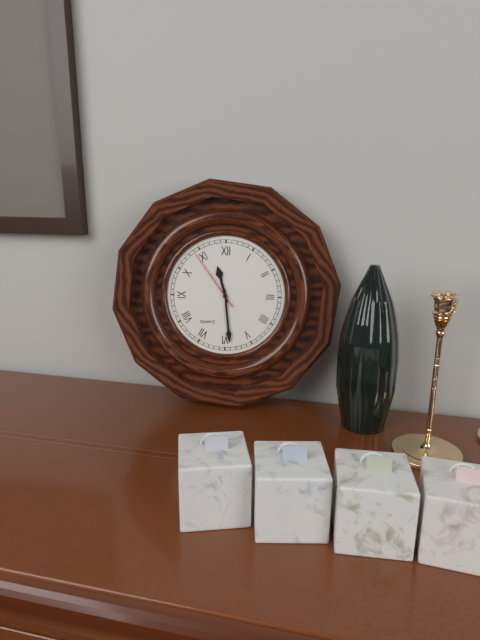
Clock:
11 h 29 min 54 s
